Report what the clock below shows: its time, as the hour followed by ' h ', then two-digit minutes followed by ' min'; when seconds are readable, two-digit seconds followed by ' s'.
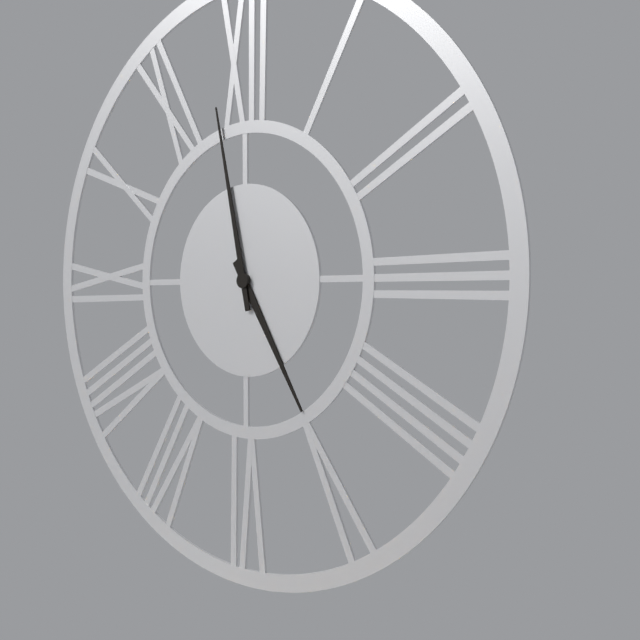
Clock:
4 h 58 min
